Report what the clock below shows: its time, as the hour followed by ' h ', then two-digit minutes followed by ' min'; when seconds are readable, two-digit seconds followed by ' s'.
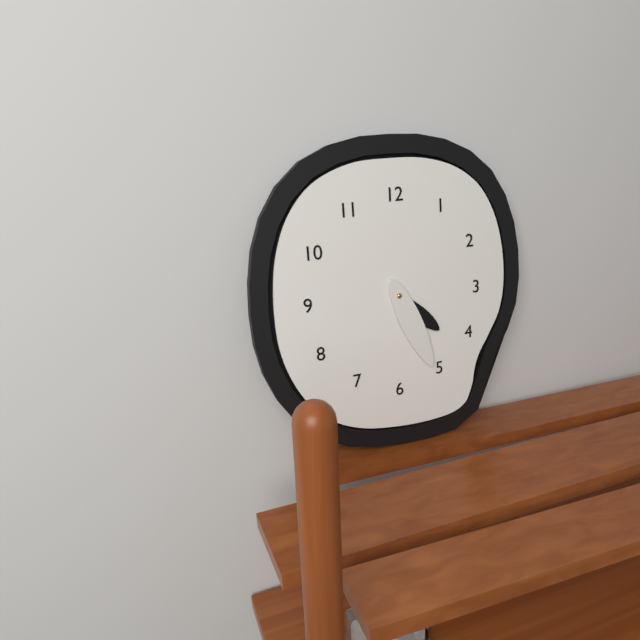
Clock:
4 h 26 min
